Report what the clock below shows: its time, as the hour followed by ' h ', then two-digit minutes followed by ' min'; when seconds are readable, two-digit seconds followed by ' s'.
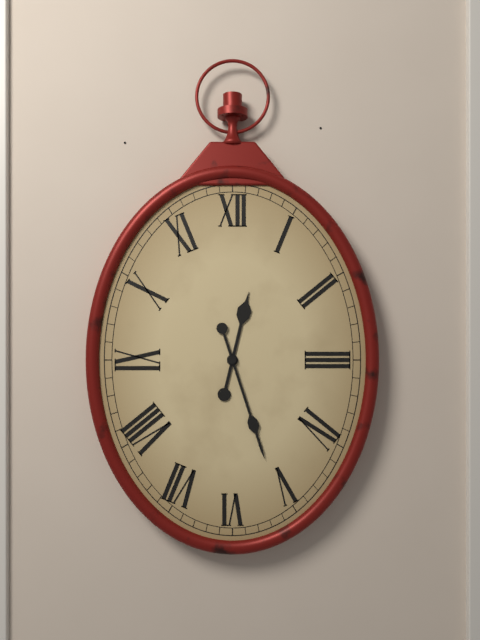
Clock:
12 h 27 min
